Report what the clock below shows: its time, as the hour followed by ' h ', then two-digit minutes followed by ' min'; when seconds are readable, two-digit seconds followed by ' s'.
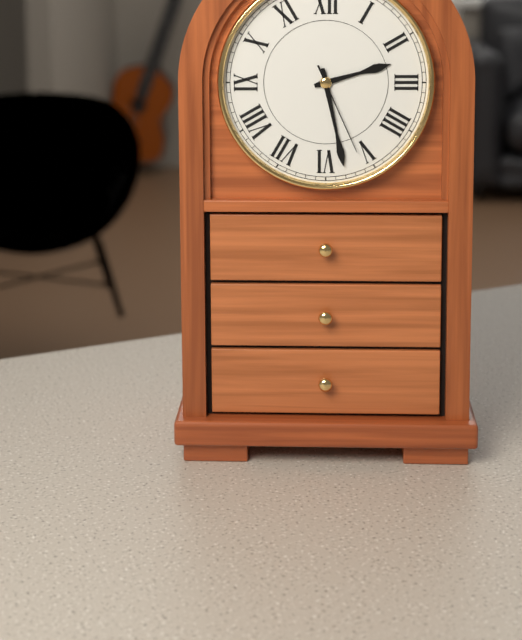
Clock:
2 h 28 min 26 s
